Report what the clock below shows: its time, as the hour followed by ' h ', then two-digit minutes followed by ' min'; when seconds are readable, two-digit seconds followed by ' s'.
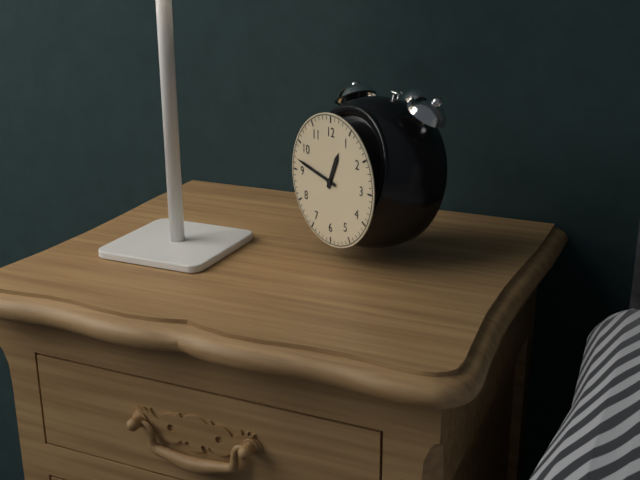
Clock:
12 h 47 min
